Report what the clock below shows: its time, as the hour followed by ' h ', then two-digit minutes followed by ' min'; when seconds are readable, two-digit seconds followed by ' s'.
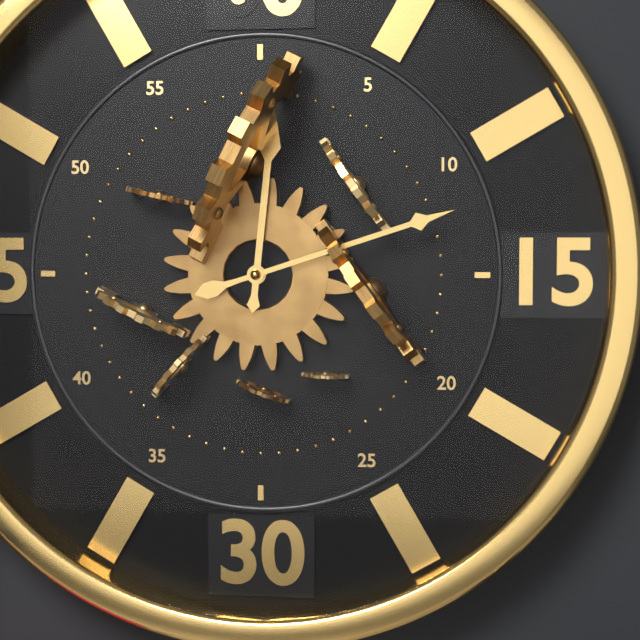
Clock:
12 h 12 min
